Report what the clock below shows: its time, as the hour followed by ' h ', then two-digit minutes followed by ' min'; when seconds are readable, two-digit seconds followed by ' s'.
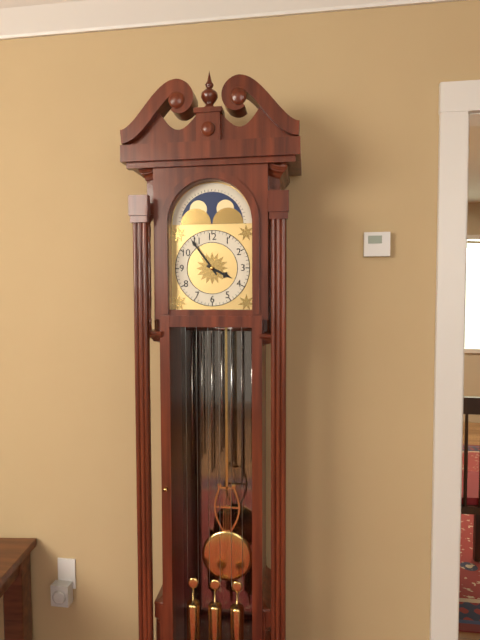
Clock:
3 h 54 min
